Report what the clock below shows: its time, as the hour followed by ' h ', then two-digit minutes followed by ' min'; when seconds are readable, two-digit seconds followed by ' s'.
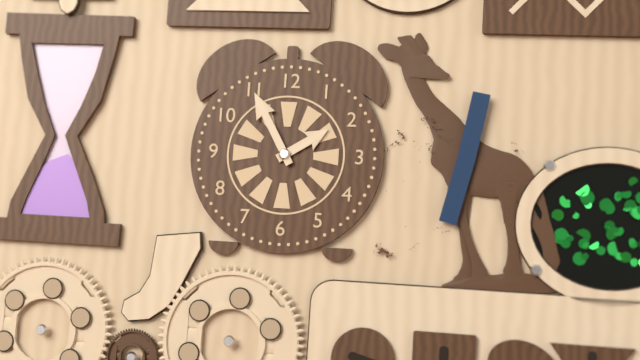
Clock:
1 h 55 min
